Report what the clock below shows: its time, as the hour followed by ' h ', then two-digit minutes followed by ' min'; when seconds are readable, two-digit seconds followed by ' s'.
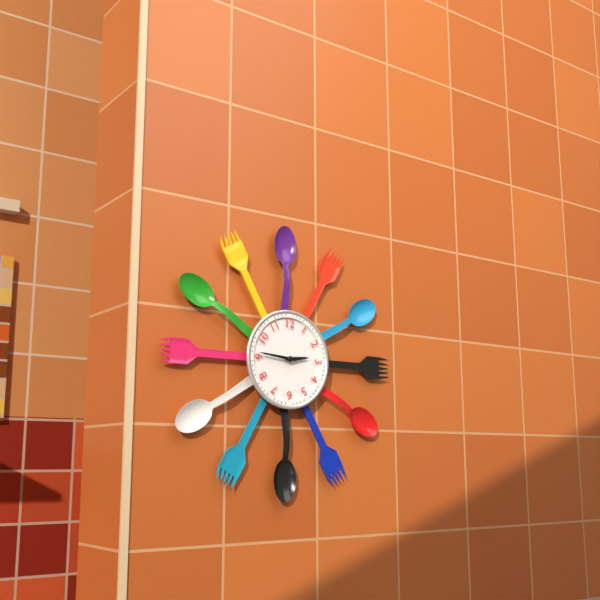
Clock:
2 h 46 min
